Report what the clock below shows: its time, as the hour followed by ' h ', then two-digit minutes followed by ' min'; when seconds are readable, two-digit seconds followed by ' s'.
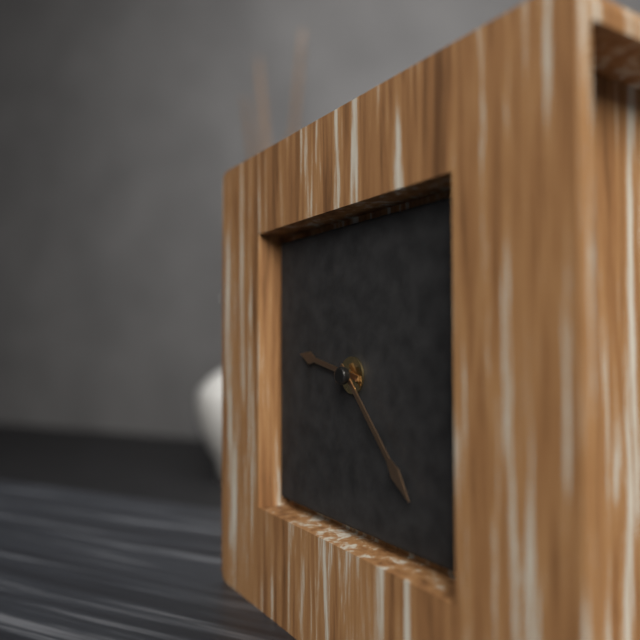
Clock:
9 h 23 min
